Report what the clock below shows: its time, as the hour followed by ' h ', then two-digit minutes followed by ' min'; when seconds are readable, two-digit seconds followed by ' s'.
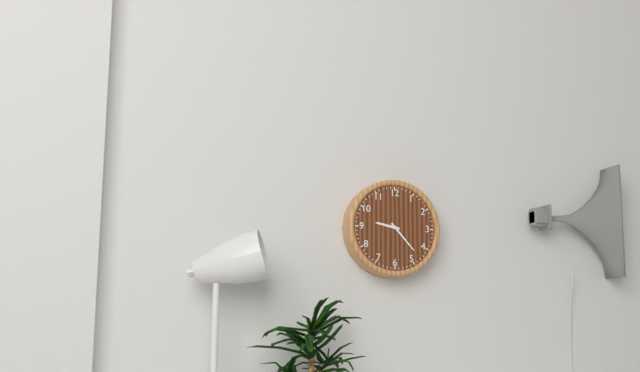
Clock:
9 h 23 min
